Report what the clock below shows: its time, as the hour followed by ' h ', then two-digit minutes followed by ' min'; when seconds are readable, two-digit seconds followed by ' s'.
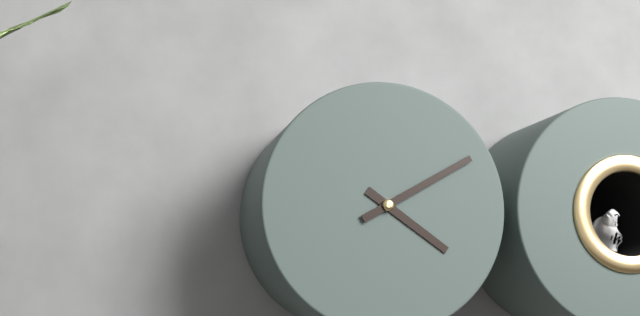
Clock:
4 h 10 min
